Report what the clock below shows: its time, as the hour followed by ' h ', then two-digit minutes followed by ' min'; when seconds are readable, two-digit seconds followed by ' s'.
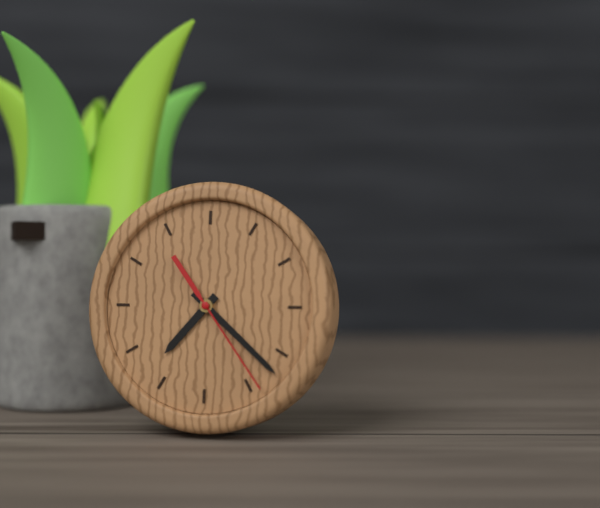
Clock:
7 h 22 min 24 s
